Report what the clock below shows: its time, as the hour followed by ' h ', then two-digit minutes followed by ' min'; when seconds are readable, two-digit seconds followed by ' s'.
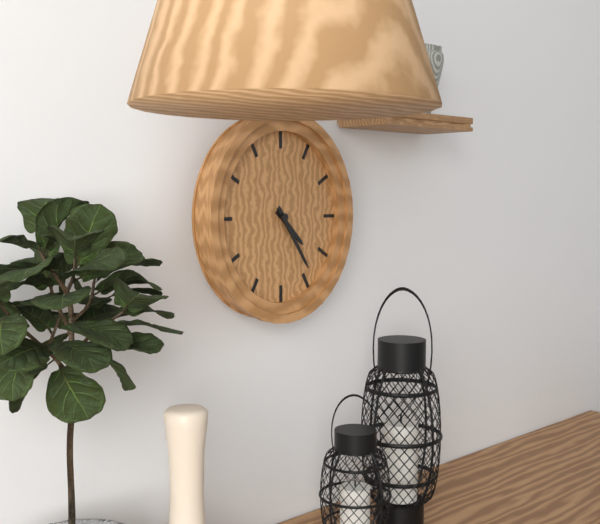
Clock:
4 h 24 min
